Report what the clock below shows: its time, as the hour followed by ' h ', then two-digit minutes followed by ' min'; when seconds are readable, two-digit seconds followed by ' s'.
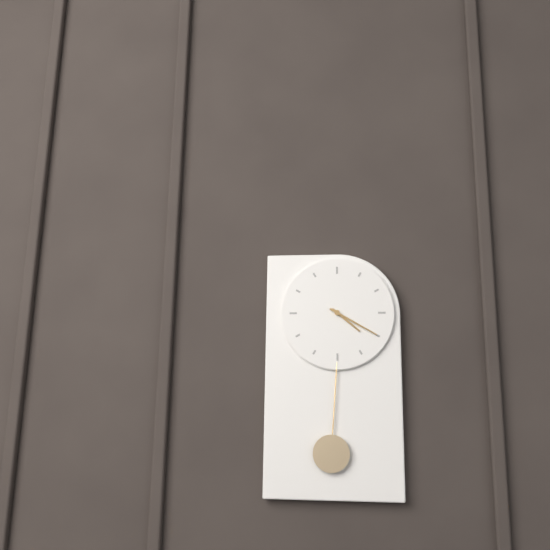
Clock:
4 h 20 min
